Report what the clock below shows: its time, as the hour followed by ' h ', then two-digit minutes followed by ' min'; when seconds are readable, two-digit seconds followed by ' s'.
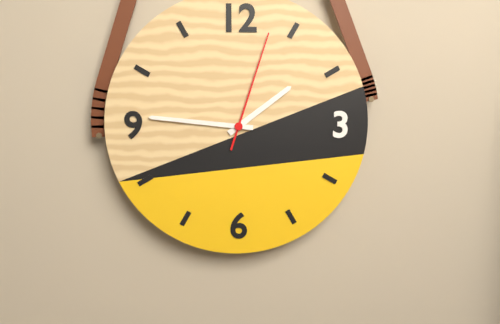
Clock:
1 h 46 min 03 s
